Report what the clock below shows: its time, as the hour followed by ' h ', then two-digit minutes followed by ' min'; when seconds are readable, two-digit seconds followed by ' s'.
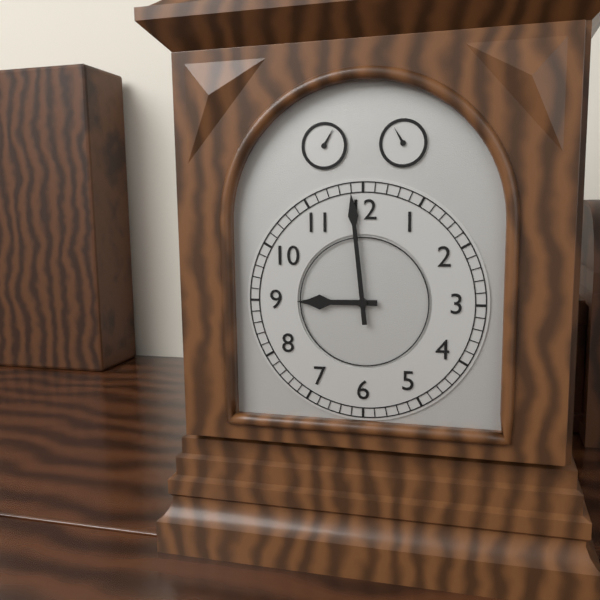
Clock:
8 h 59 min
